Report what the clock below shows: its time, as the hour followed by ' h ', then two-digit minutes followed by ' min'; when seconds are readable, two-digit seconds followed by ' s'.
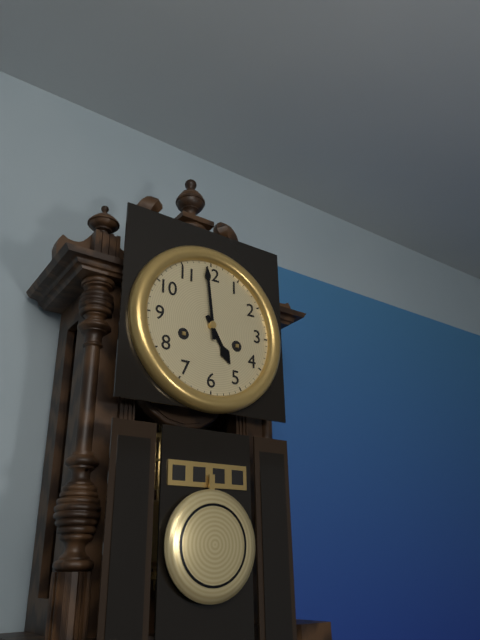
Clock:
4 h 59 min
